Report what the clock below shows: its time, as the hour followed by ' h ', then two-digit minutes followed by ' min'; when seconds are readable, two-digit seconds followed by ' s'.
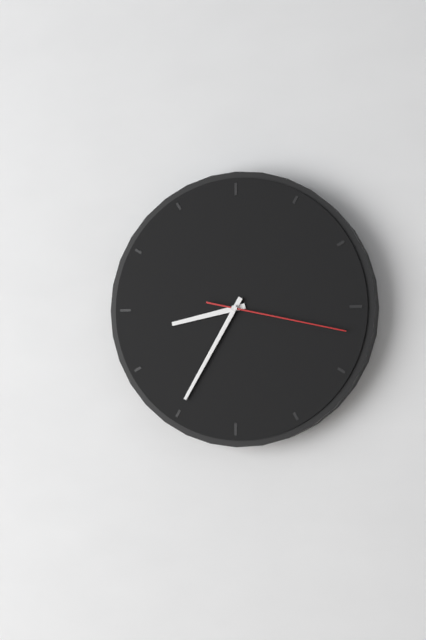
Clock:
8 h 35 min 17 s
